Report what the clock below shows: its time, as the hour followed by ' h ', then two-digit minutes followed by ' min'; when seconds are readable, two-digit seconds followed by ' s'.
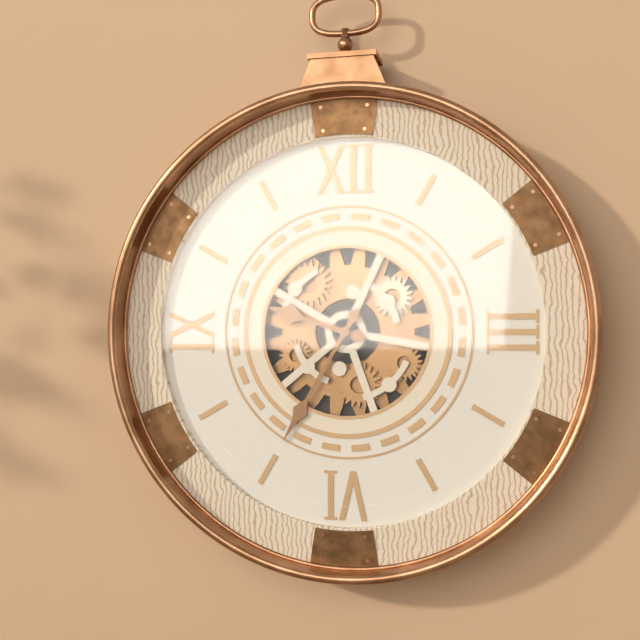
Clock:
9 h 35 min
